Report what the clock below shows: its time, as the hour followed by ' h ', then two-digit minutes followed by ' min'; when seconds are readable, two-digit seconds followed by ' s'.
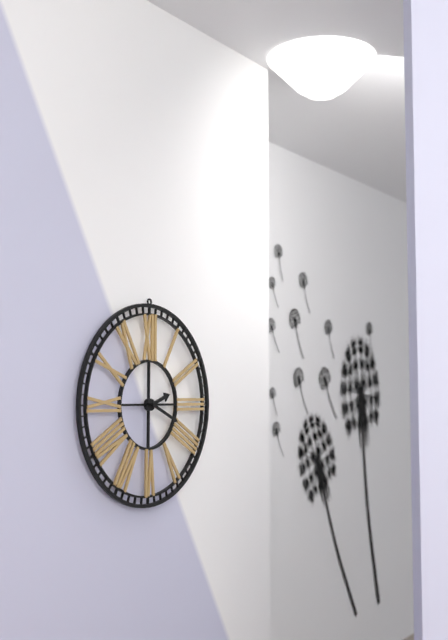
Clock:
2 h 19 min
